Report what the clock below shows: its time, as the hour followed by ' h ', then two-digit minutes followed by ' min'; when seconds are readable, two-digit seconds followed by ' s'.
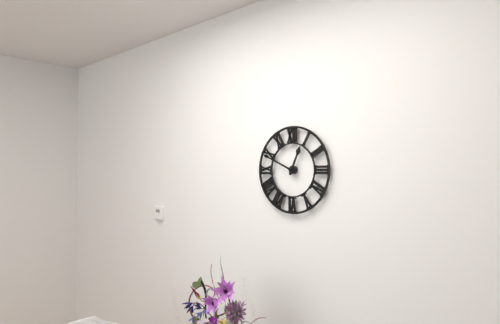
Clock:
12 h 49 min
